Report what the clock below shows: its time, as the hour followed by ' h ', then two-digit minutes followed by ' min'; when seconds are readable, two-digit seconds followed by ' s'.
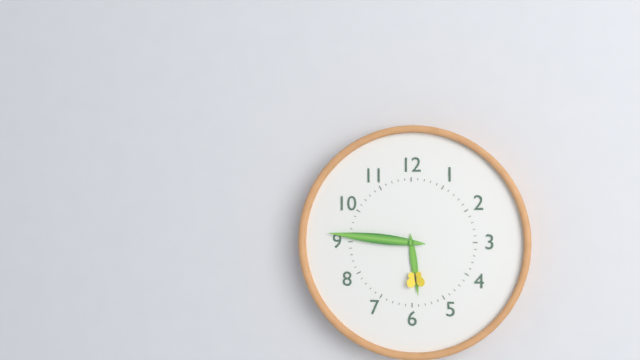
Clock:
5 h 46 min
